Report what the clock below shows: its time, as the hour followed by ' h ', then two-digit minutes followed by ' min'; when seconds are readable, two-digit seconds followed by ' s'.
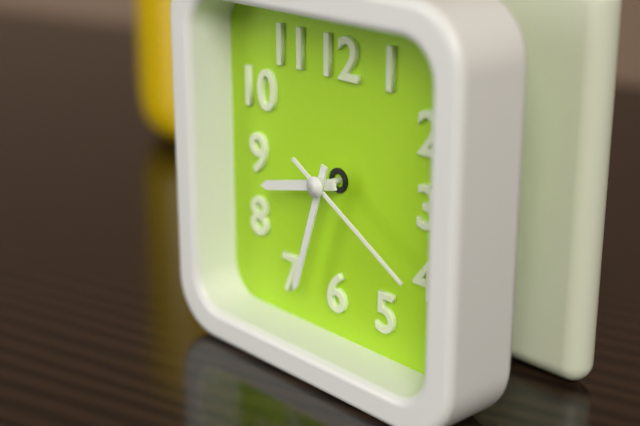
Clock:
8 h 33 min 20 s
